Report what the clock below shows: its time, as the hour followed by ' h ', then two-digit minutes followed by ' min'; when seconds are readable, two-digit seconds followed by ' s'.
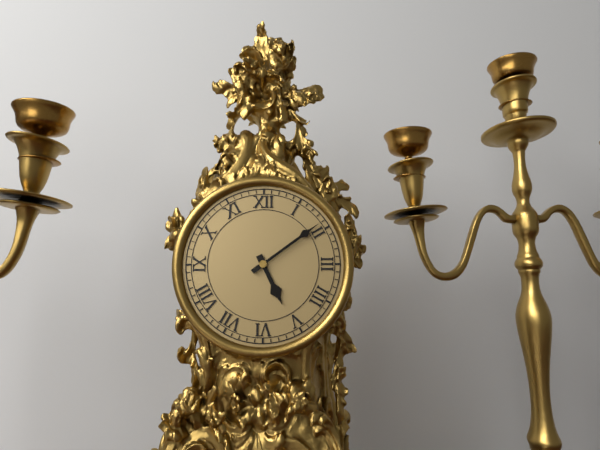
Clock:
5 h 09 min
